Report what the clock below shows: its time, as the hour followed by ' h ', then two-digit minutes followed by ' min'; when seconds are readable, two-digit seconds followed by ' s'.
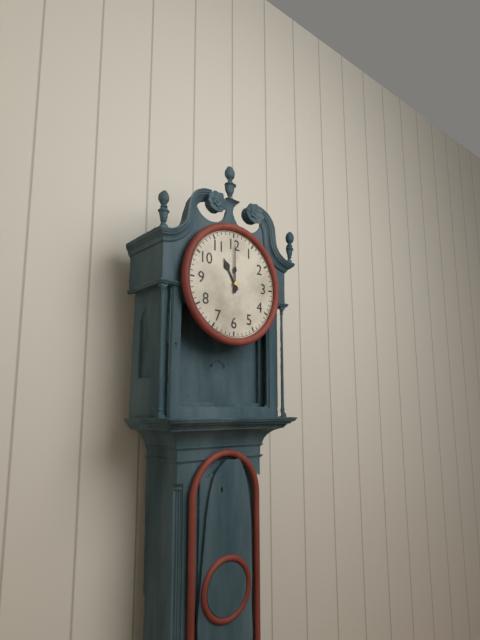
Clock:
11 h 00 min
